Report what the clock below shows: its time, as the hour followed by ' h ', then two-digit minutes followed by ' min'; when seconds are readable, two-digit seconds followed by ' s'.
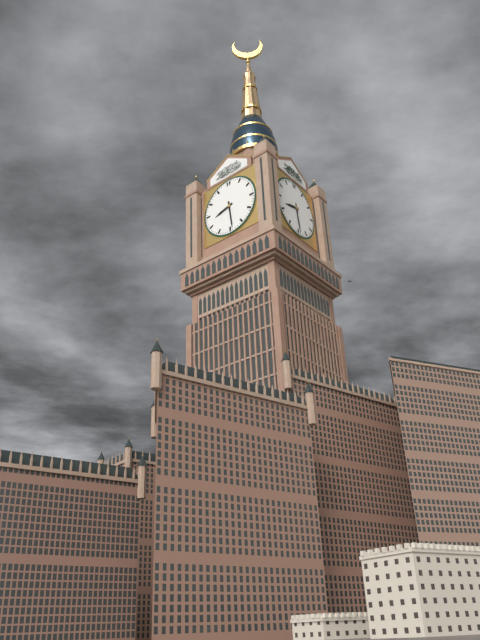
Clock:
8 h 29 min
